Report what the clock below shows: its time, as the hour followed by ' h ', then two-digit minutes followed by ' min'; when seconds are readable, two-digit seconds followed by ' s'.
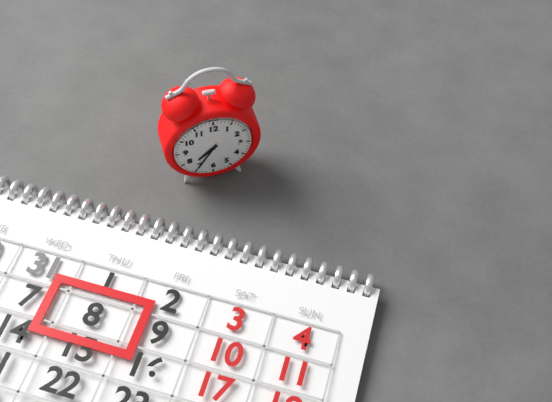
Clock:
7 h 35 min
